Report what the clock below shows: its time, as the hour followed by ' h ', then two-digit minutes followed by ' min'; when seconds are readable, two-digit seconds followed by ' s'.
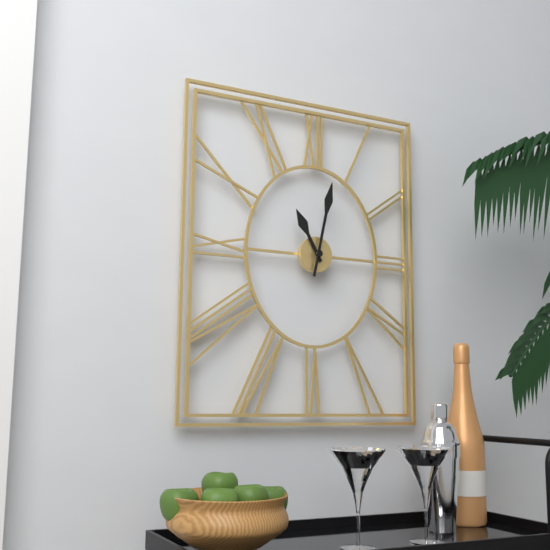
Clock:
11 h 02 min
